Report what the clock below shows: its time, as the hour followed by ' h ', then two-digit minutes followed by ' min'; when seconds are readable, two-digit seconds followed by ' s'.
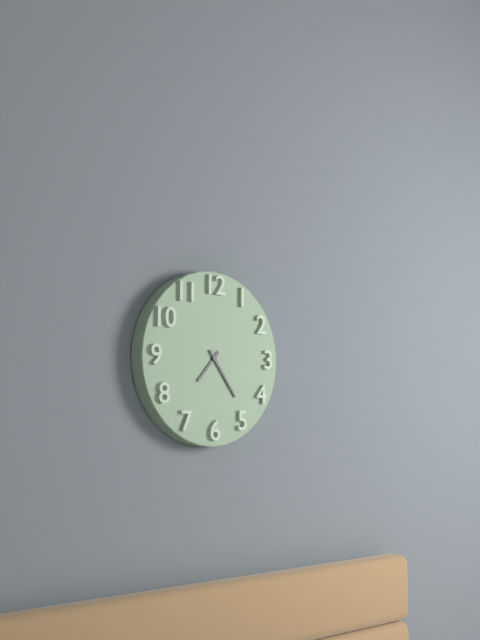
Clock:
7 h 24 min
